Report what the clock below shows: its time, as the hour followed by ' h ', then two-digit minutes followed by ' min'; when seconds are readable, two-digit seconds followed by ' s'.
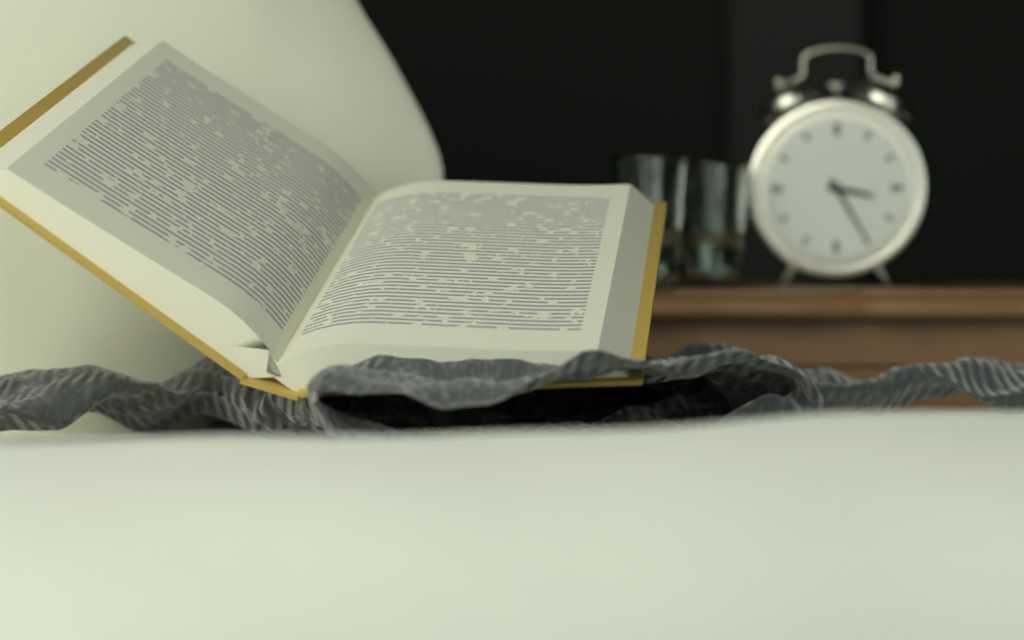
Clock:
3 h 25 min
